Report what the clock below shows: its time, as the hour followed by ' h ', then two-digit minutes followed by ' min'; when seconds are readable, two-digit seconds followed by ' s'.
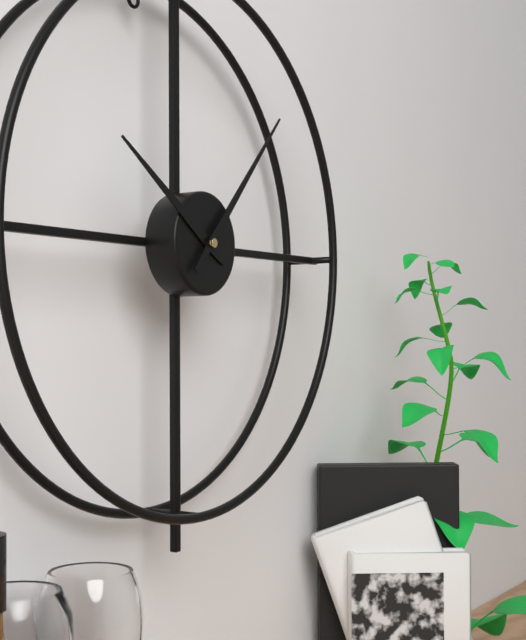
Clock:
10 h 07 min
